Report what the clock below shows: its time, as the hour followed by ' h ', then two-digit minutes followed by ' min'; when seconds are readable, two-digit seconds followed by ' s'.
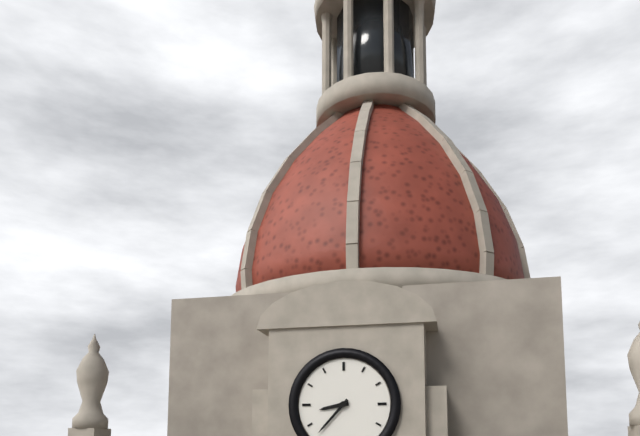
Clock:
8 h 37 min
